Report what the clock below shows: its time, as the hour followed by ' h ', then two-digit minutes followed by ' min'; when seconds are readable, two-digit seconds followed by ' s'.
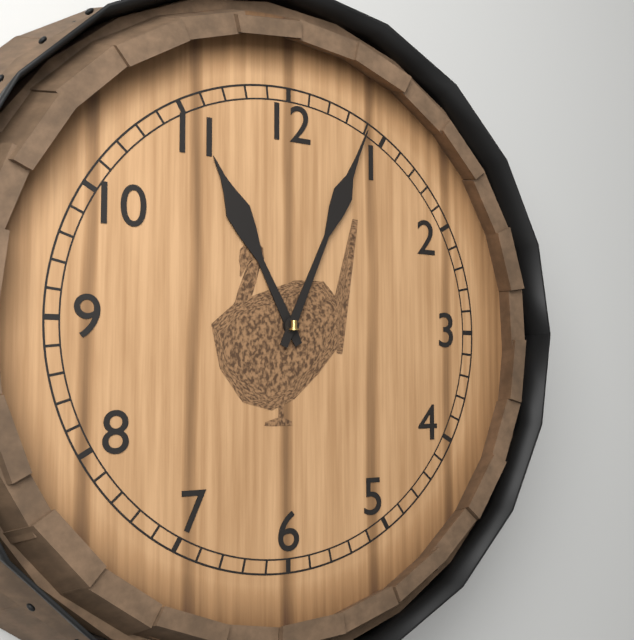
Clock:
11 h 04 min
